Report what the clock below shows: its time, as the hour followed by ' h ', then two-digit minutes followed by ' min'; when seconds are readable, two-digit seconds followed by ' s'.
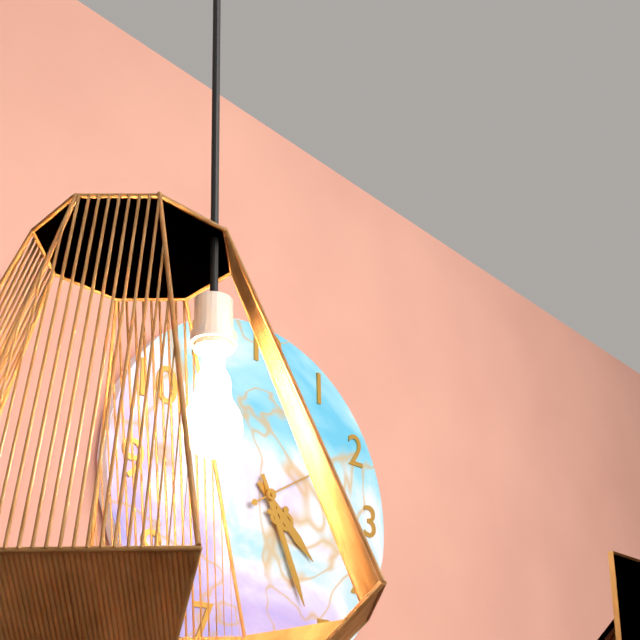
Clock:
4 h 26 min 10 s
